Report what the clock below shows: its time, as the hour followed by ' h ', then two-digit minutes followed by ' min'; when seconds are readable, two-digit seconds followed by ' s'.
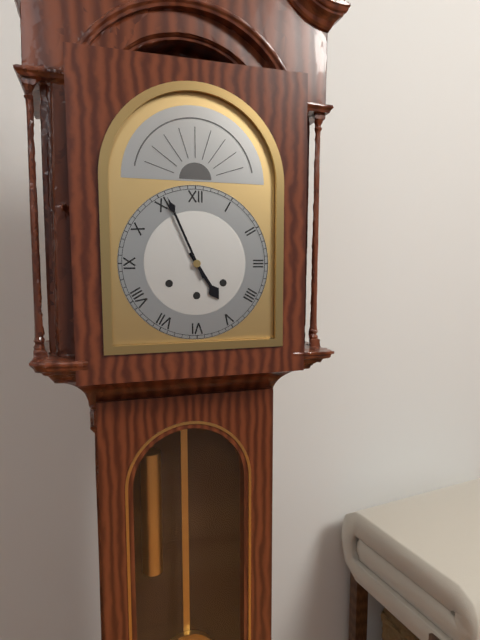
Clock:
4 h 56 min
